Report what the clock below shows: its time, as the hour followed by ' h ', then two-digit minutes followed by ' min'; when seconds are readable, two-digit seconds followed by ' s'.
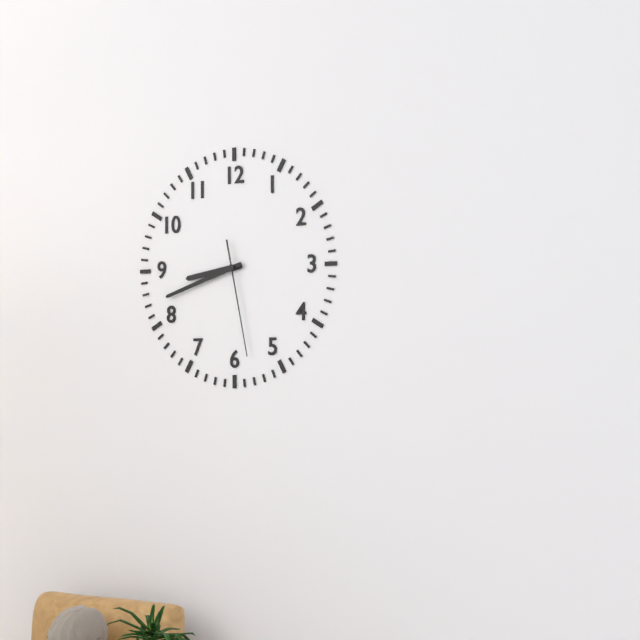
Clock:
8 h 42 min 28 s
